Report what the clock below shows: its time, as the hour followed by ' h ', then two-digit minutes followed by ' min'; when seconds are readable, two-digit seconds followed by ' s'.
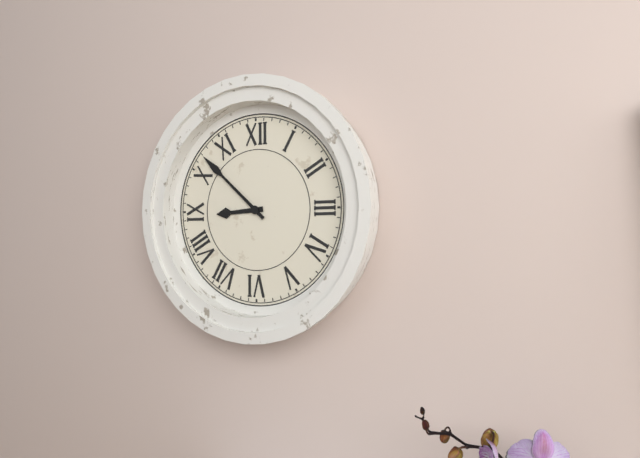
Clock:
8 h 52 min
